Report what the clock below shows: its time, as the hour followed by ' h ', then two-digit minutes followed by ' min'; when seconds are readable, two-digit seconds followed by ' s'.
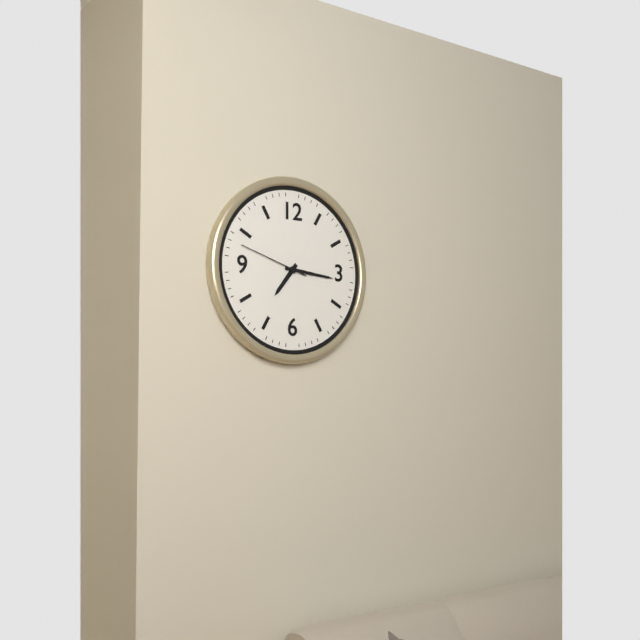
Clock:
7 h 16 min 48 s
